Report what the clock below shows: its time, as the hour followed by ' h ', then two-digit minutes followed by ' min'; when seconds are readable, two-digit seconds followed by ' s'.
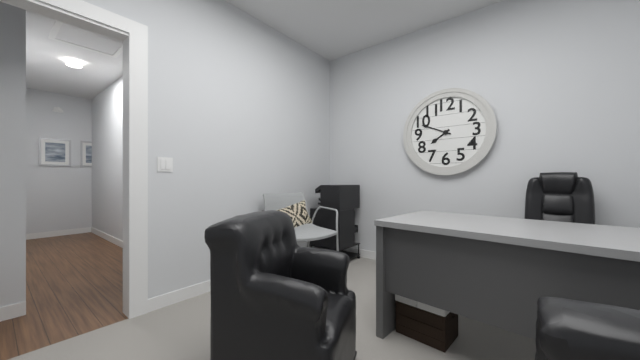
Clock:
7 h 49 min
